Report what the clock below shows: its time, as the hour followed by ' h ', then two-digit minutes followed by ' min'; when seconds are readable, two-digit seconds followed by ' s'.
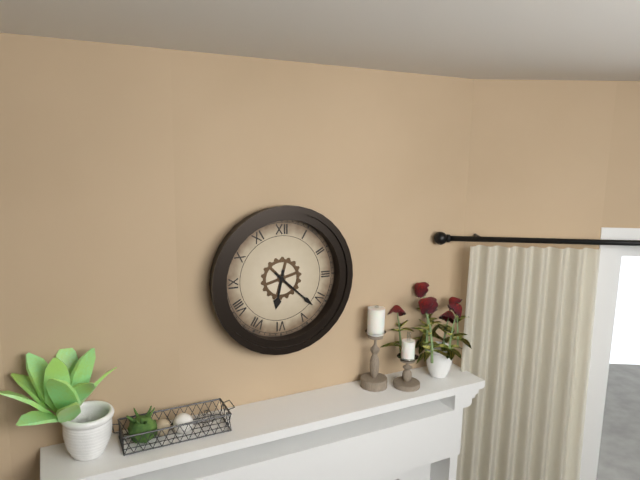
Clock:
6 h 22 min
